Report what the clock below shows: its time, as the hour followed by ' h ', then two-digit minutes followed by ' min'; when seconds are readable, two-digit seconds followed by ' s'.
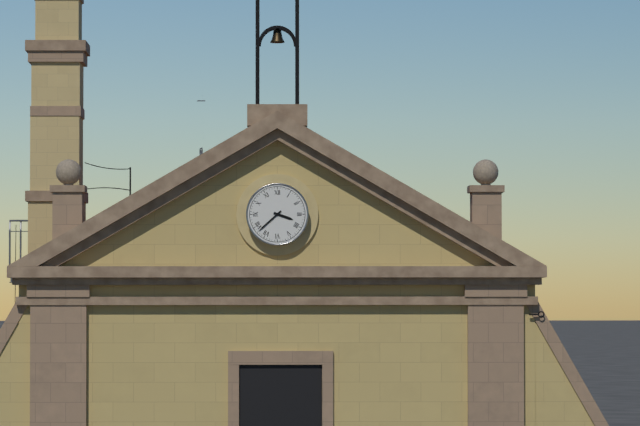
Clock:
3 h 38 min
